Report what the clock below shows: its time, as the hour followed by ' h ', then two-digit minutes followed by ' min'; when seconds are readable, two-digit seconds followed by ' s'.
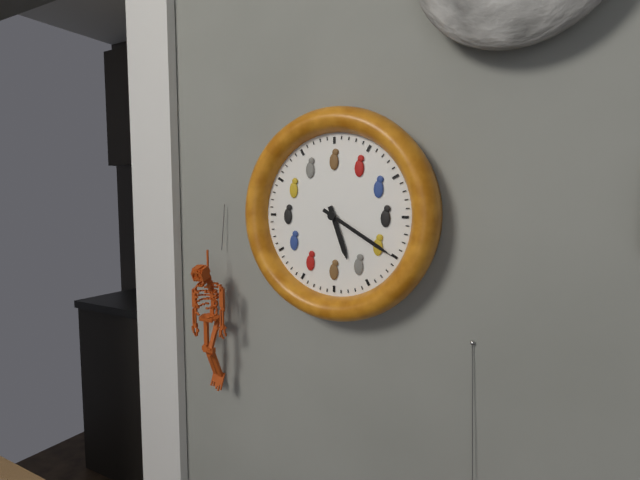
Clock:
5 h 20 min
